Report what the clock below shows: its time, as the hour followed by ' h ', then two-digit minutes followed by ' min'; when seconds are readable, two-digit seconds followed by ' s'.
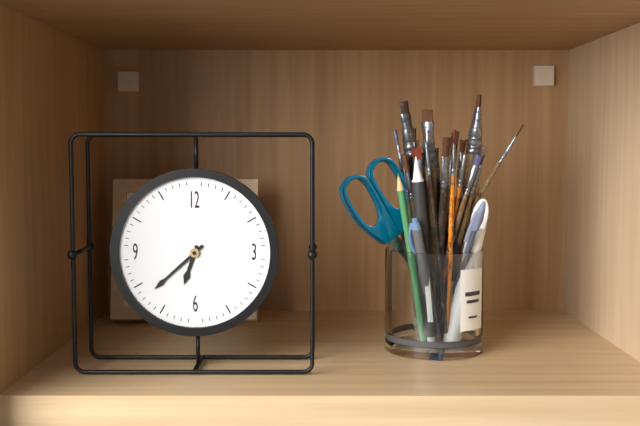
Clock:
6 h 38 min
